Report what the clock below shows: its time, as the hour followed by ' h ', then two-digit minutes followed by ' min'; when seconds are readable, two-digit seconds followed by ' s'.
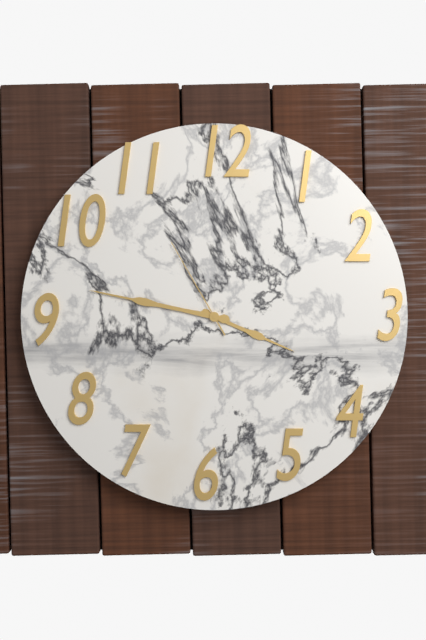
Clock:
3 h 47 min 55 s
